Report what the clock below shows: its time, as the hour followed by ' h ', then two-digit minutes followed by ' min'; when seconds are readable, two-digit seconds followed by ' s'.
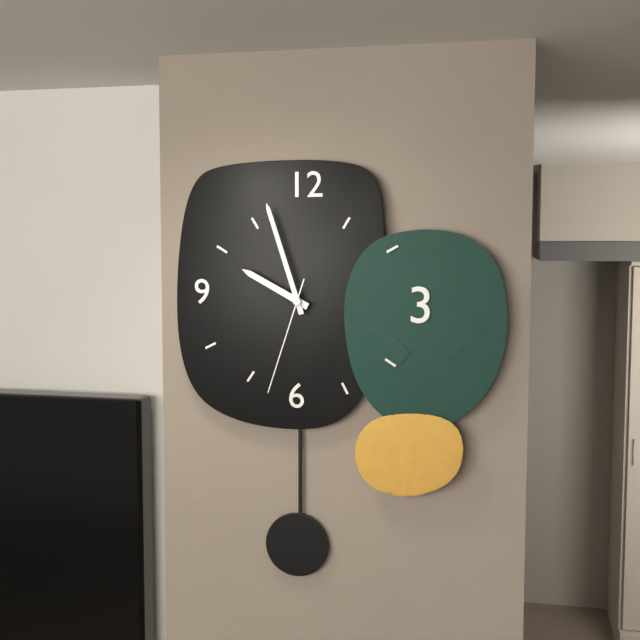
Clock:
9 h 57 min 33 s
